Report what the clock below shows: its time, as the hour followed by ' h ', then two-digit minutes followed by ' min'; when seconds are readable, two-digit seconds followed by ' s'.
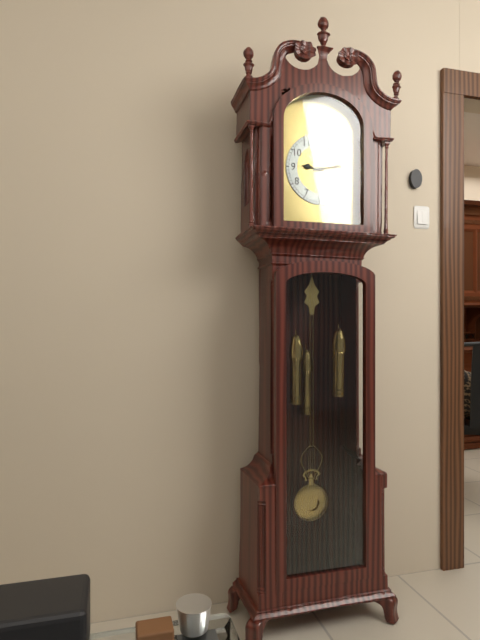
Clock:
9 h 13 min
